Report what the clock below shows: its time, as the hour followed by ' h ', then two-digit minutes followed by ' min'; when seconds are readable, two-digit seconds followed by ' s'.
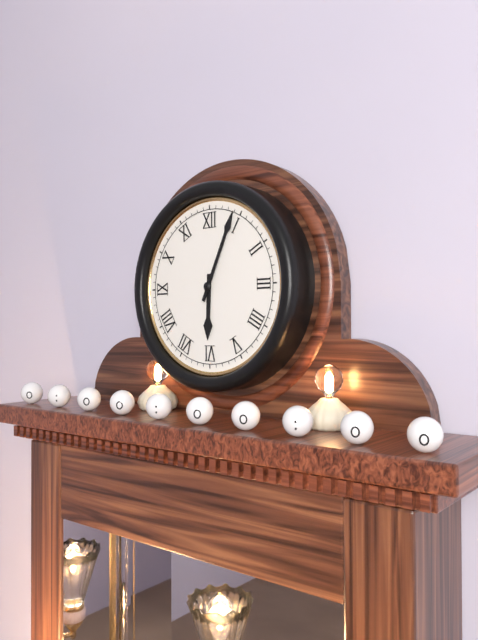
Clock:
6 h 04 min
